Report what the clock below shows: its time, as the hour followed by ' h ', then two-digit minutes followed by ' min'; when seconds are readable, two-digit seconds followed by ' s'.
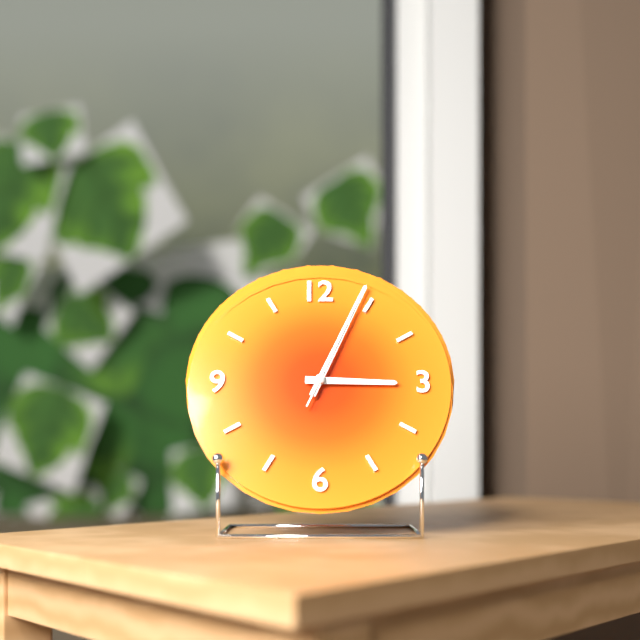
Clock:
3 h 04 min 04 s
